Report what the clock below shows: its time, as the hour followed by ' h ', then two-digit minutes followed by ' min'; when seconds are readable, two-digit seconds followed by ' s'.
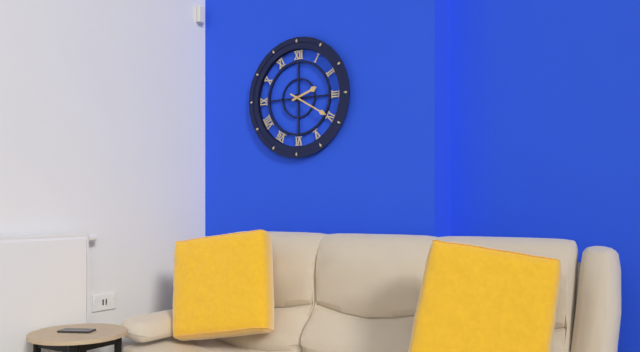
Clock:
2 h 20 min
